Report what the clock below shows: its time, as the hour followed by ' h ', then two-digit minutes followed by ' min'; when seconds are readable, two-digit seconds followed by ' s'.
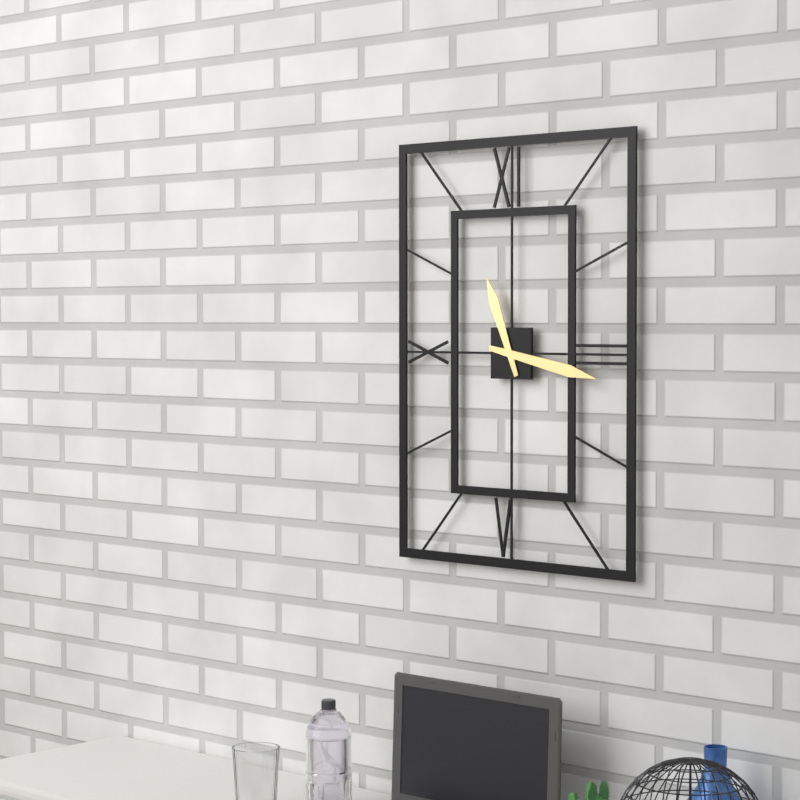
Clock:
11 h 17 min
